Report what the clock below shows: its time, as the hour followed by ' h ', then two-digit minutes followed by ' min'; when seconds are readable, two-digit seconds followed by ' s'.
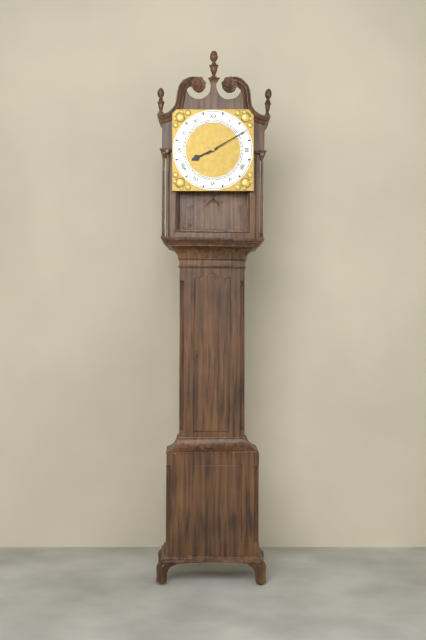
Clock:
8 h 10 min
